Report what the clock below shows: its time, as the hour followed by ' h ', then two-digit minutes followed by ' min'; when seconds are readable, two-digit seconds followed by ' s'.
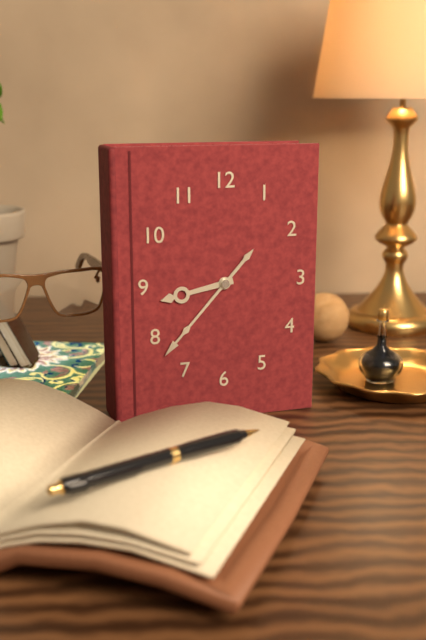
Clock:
8 h 37 min
